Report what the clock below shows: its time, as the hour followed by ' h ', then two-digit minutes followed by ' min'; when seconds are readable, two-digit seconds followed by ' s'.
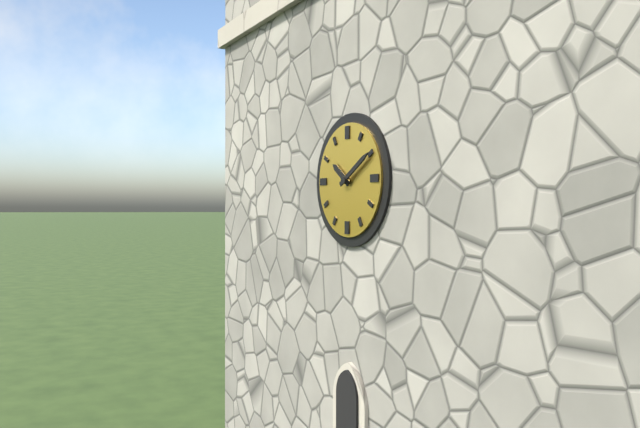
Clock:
10 h 10 min
